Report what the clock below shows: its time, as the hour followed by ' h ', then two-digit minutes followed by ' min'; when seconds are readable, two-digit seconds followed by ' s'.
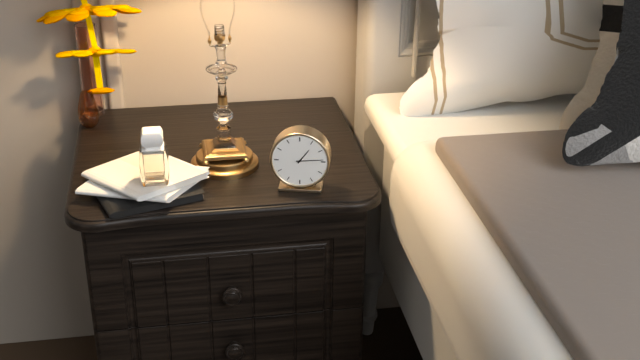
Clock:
1 h 14 min
